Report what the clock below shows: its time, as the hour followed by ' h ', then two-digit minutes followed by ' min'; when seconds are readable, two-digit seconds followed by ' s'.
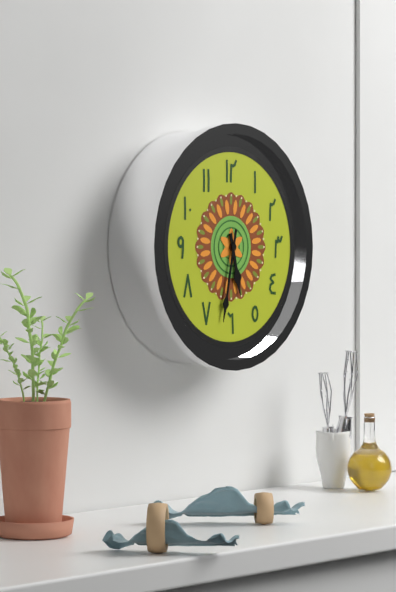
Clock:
5 h 32 min
